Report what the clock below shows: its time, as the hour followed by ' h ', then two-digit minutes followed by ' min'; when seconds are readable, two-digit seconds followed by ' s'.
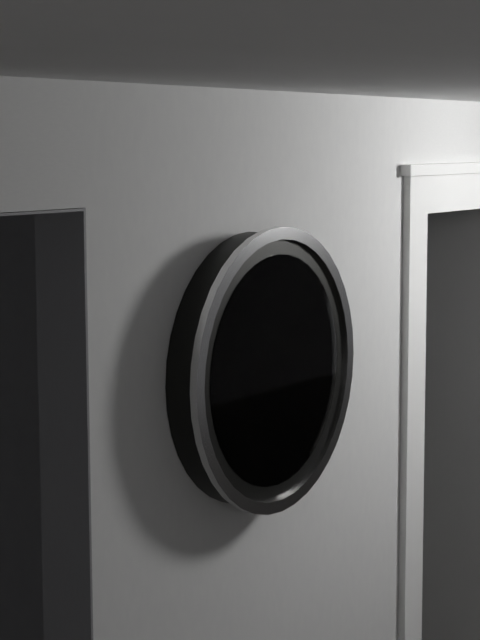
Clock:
1 h 26 min
